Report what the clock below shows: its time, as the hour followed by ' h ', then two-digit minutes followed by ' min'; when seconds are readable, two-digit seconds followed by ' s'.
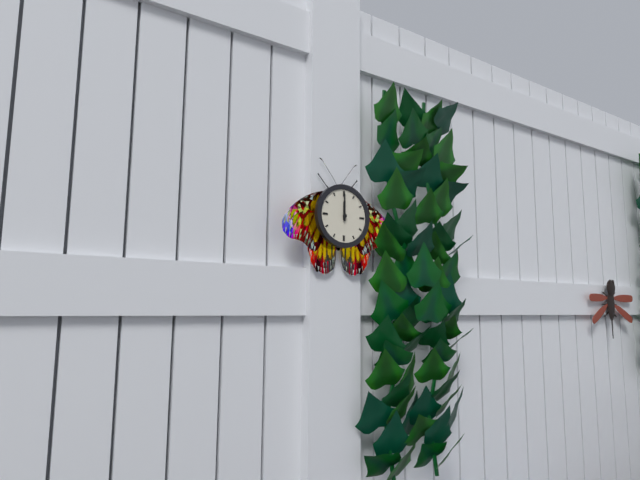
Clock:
12 h 00 min
